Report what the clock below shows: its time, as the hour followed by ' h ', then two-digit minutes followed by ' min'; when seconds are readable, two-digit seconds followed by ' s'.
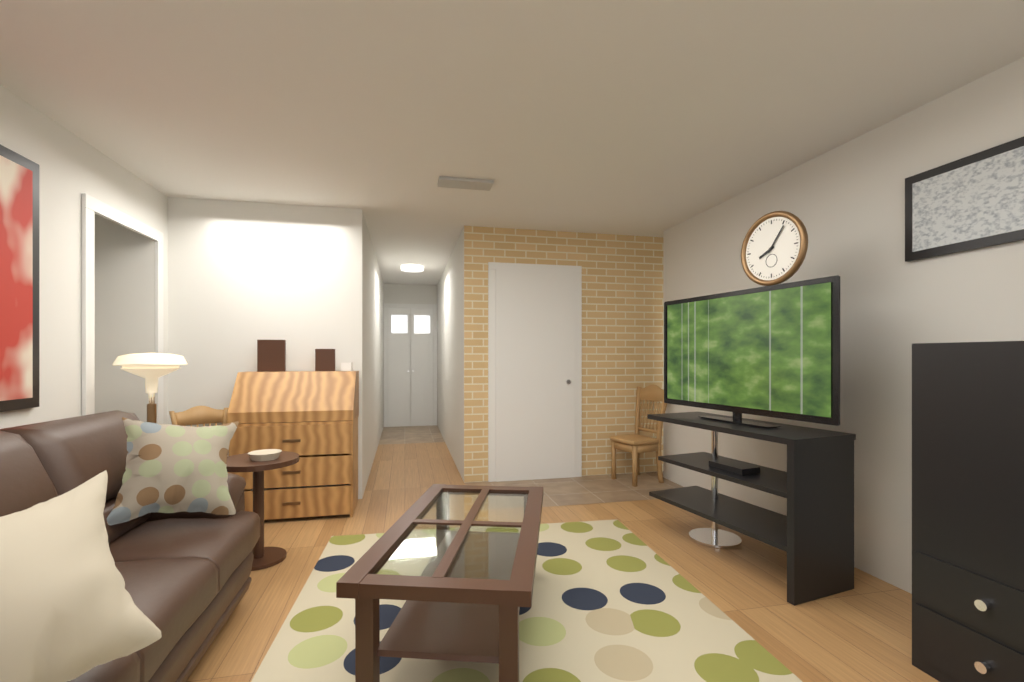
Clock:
8 h 06 min
